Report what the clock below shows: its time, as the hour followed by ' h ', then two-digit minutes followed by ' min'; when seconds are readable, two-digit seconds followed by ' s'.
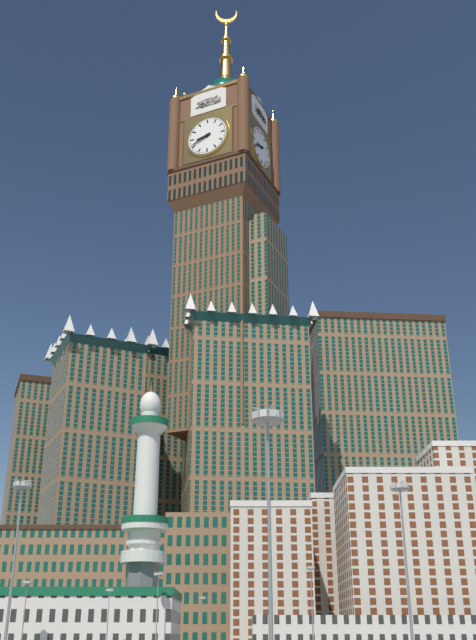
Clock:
8 h 41 min
